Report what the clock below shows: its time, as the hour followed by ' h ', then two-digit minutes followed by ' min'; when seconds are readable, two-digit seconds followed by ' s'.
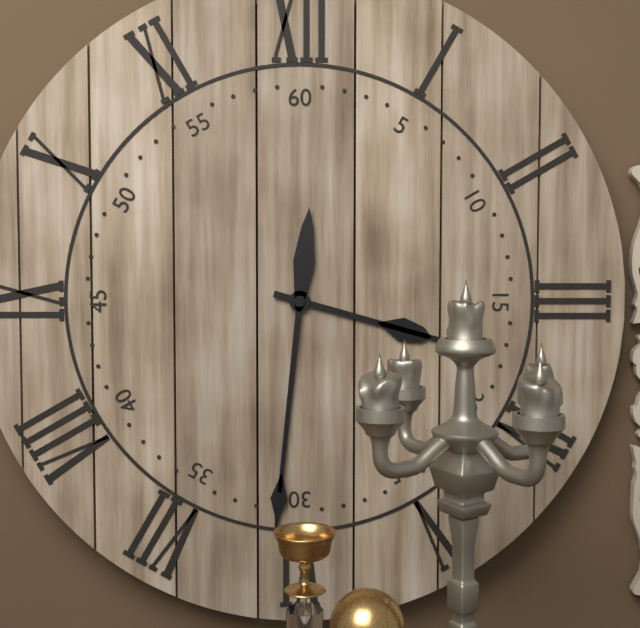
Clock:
3 h 31 min
